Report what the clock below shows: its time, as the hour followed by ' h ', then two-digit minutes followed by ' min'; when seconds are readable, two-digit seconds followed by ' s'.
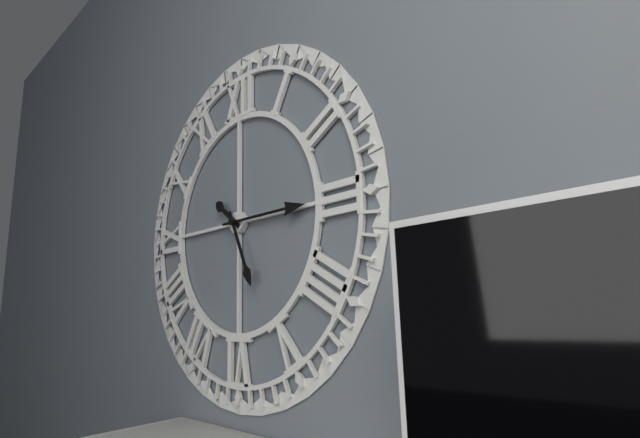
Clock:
10 h 15 min 26 s
